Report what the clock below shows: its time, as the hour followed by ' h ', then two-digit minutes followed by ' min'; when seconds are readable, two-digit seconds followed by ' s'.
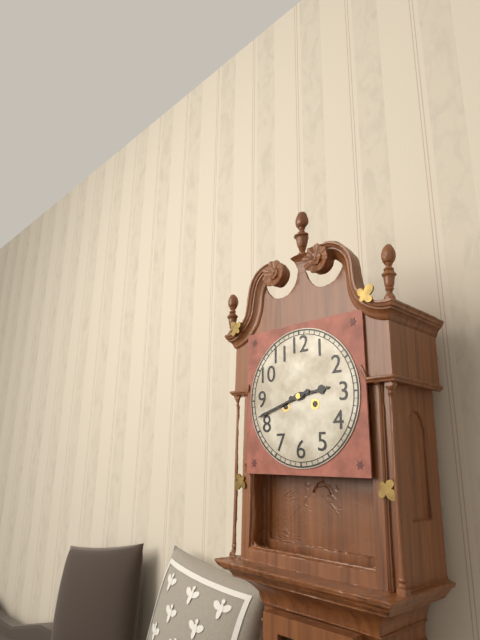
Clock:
2 h 42 min
